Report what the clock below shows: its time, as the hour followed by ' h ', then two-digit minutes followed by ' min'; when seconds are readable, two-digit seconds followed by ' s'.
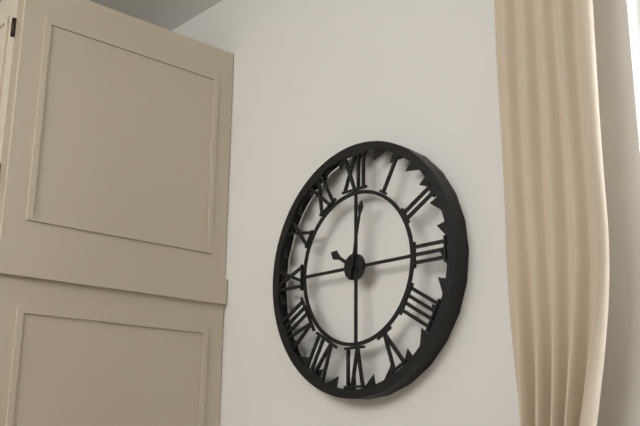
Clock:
10 h 02 min
